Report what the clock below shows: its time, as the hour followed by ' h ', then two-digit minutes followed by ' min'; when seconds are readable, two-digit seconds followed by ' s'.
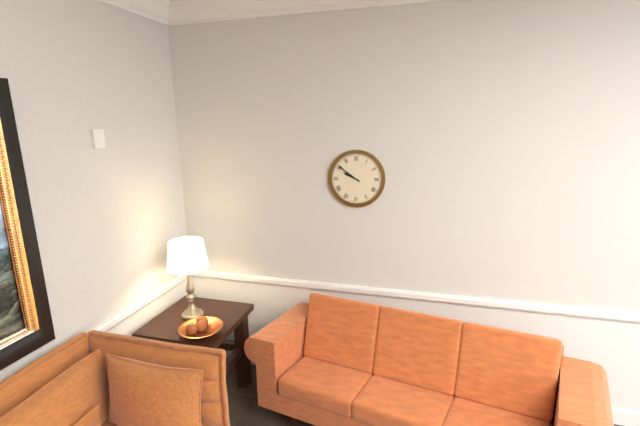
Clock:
9 h 51 min
